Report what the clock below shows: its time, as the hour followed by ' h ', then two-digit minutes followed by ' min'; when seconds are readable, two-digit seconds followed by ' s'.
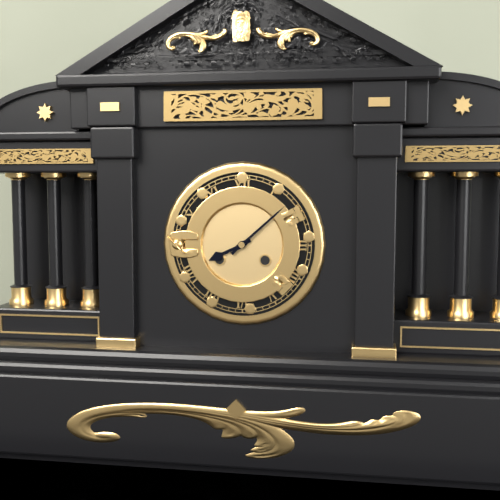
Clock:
8 h 08 min
